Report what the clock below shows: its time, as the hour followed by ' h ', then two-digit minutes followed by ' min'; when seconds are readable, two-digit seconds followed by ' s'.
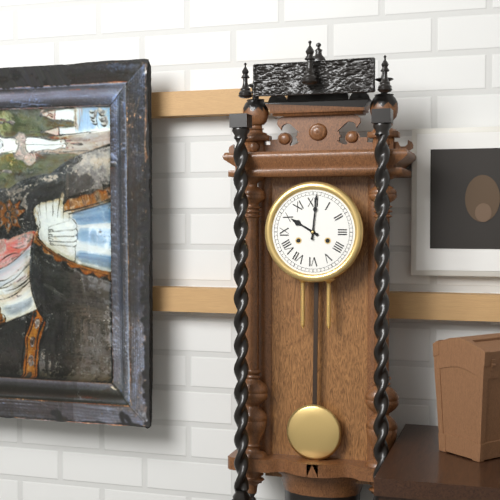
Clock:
10 h 01 min
